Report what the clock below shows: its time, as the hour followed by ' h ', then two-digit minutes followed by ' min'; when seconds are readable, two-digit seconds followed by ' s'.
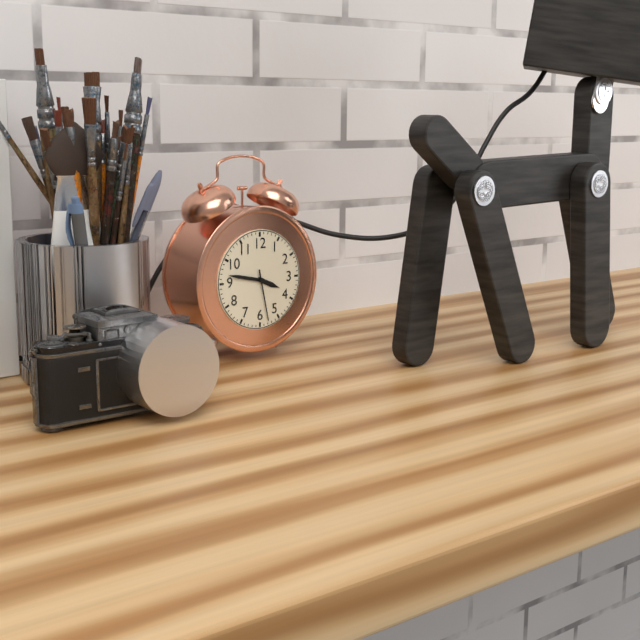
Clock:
3 h 47 min 28 s
